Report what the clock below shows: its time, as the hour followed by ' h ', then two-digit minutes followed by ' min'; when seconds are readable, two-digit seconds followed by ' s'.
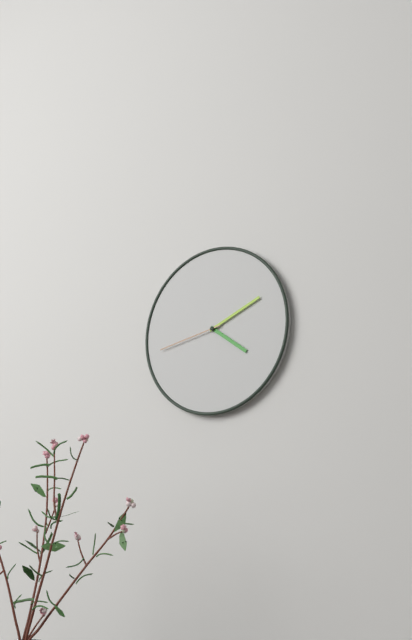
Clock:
4 h 11 min 43 s
